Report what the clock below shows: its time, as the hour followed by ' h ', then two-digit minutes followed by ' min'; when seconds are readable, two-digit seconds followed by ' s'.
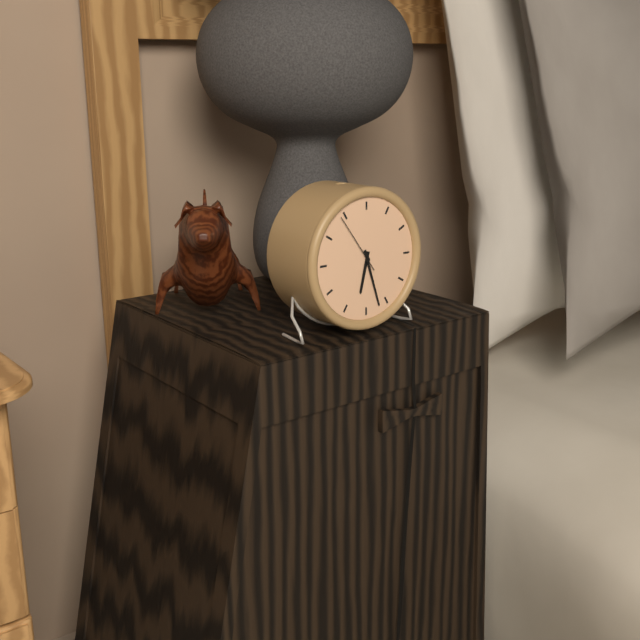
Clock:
6 h 27 min 54 s
